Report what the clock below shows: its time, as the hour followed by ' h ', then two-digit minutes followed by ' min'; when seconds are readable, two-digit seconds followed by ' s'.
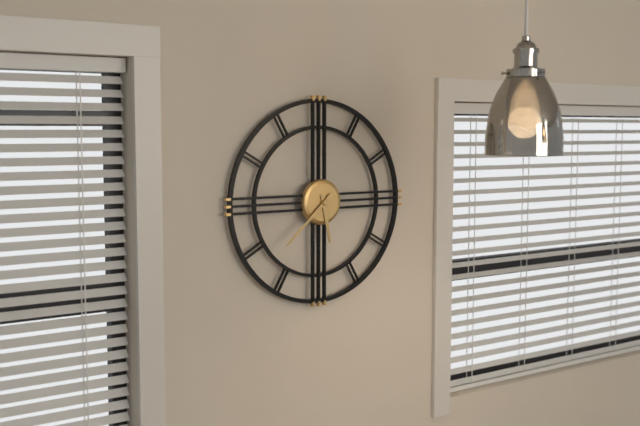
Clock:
5 h 38 min
